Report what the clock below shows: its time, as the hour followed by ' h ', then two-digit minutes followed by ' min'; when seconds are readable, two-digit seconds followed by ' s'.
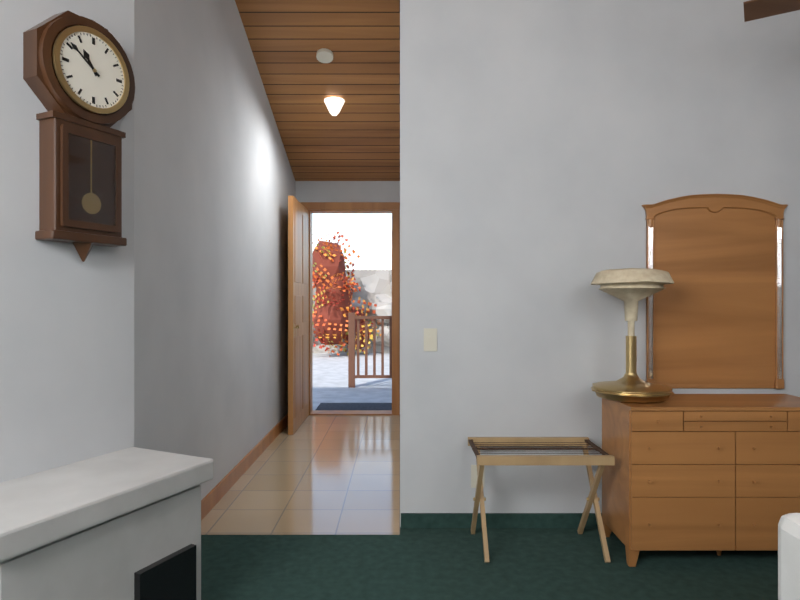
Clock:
10 h 51 min
